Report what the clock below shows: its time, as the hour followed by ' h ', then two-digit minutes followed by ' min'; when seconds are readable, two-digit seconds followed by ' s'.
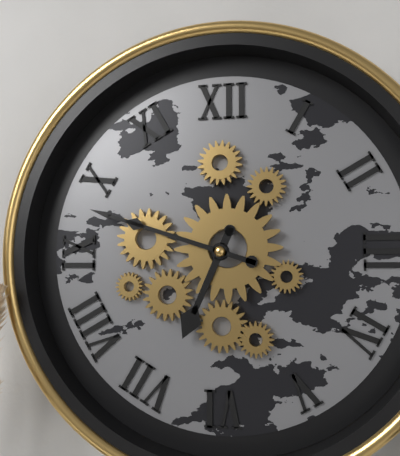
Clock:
6 h 48 min
